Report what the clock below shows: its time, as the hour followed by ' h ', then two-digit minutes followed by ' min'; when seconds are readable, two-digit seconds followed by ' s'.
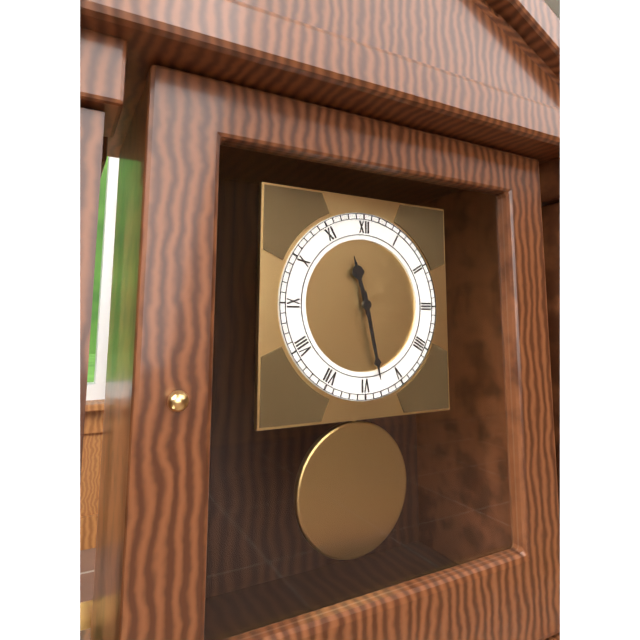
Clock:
11 h 28 min
